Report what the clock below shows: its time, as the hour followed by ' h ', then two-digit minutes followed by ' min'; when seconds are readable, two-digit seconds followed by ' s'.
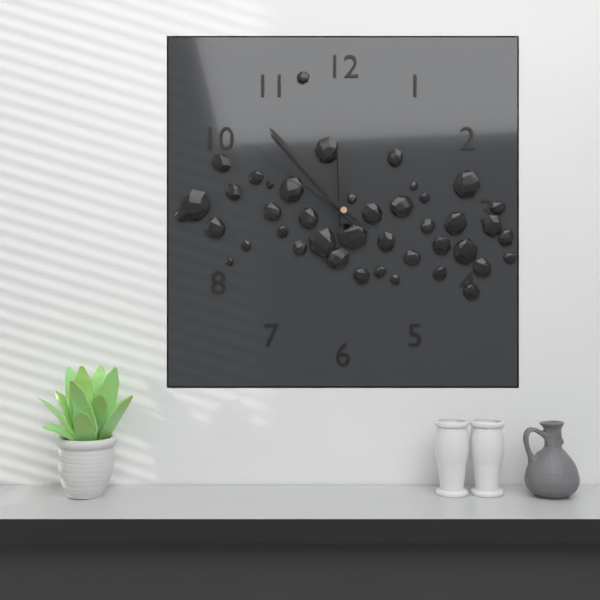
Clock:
11 h 53 min 51 s
